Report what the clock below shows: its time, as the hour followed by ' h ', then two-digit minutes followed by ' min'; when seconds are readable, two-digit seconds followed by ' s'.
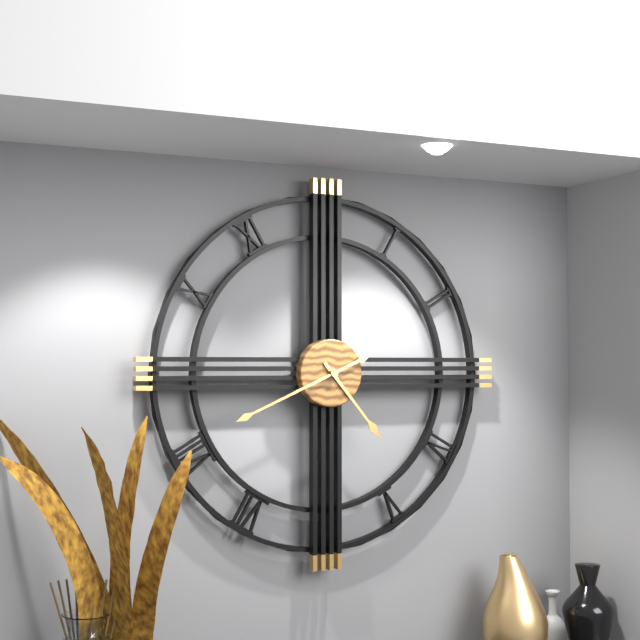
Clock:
4 h 41 min
